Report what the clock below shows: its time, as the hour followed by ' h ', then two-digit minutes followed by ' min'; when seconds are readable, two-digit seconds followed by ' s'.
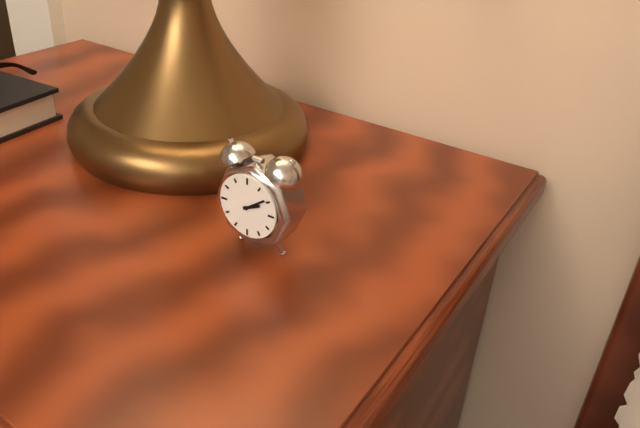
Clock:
2 h 09 min
